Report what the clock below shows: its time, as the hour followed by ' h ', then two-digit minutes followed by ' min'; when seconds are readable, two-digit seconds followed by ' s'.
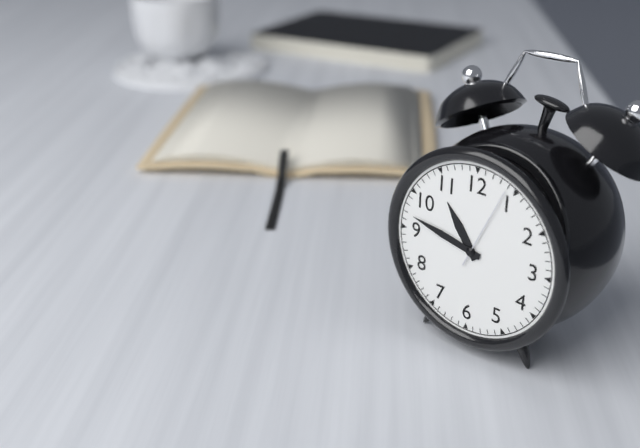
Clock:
10 h 47 min 04 s
